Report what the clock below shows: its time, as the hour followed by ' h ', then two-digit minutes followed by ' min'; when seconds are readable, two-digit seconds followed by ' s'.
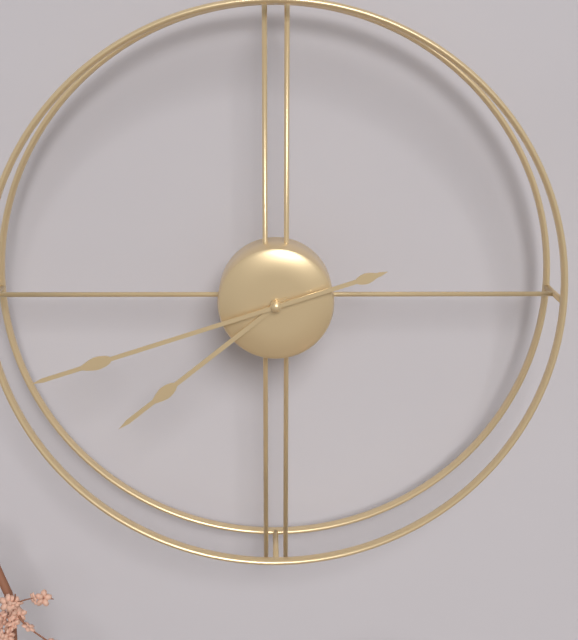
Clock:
7 h 42 min
